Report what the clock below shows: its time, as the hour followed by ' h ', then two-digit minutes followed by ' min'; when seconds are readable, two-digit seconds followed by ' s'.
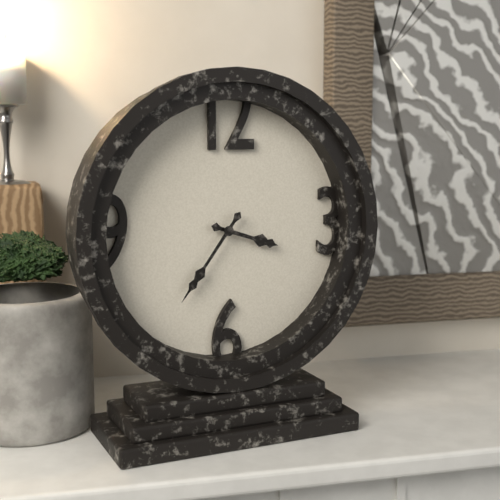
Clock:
3 h 36 min
